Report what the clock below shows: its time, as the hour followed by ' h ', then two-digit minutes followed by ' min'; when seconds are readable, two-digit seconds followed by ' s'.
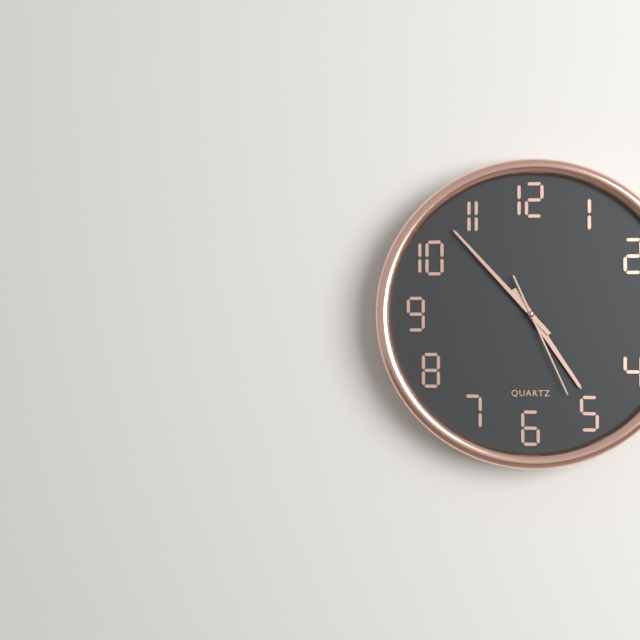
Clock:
4 h 53 min 26 s
